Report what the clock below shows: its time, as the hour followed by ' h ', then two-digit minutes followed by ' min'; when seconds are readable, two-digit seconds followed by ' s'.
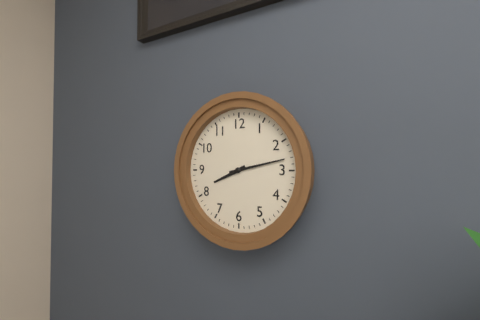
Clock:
8 h 13 min
